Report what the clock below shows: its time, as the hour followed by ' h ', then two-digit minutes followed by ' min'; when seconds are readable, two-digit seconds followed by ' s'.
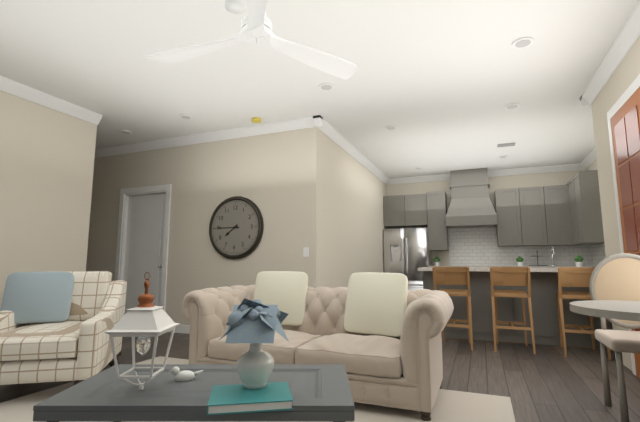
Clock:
7 h 45 min
